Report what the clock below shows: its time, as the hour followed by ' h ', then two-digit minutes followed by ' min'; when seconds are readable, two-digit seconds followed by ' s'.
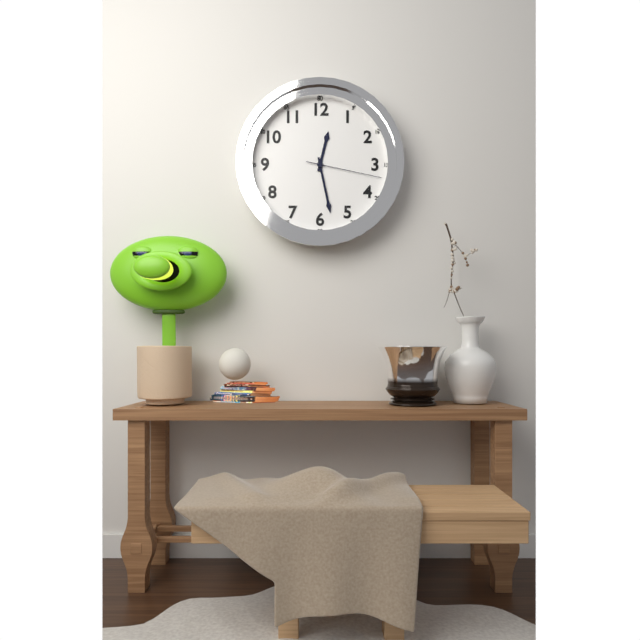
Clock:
12 h 28 min 17 s
